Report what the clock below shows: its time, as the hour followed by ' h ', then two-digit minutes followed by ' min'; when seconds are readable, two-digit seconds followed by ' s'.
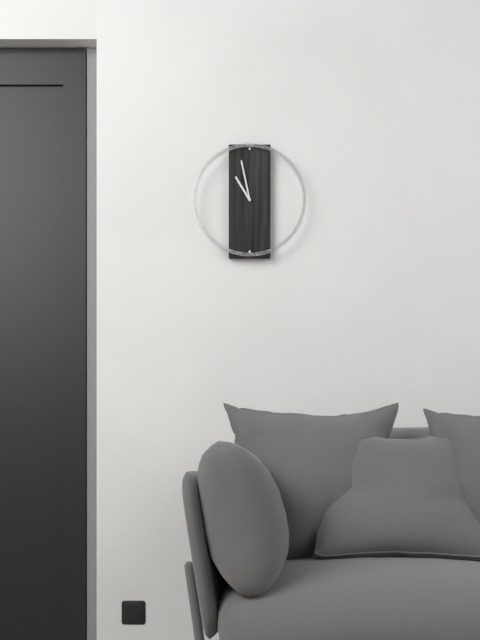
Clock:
10 h 58 min
